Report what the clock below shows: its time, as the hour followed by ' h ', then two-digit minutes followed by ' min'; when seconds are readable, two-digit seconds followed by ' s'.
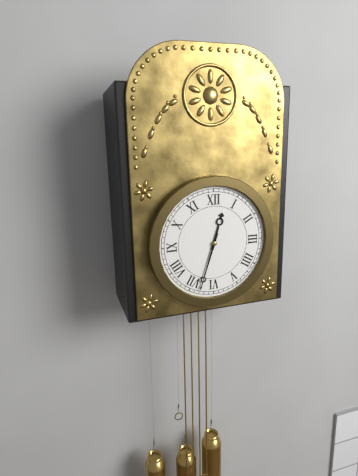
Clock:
12 h 33 min
